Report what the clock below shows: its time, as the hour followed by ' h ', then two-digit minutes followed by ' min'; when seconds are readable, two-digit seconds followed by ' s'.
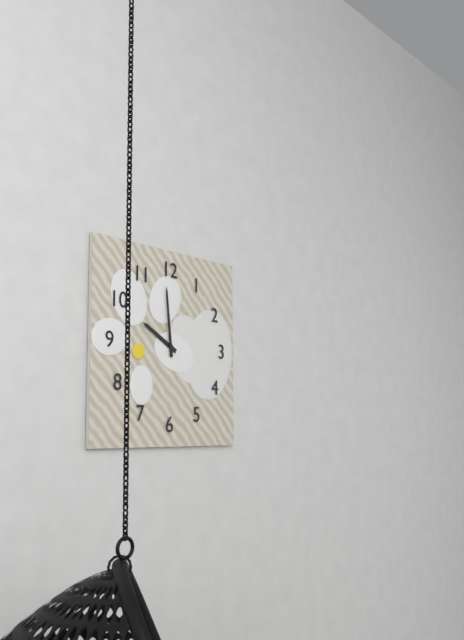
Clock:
9 h 59 min
